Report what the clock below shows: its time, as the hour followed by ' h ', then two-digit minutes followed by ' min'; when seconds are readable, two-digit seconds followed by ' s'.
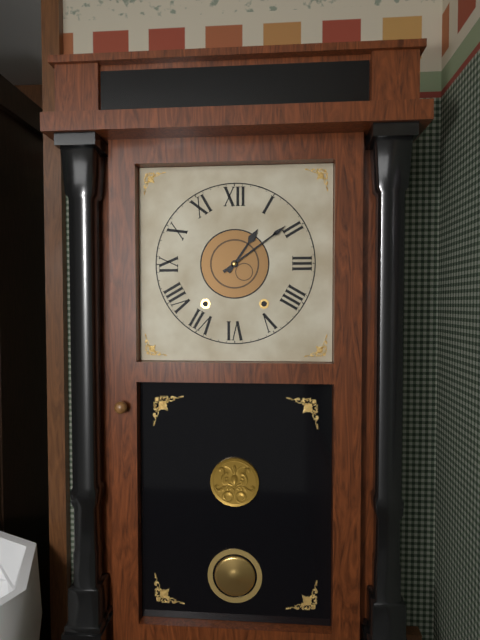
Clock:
1 h 09 min
